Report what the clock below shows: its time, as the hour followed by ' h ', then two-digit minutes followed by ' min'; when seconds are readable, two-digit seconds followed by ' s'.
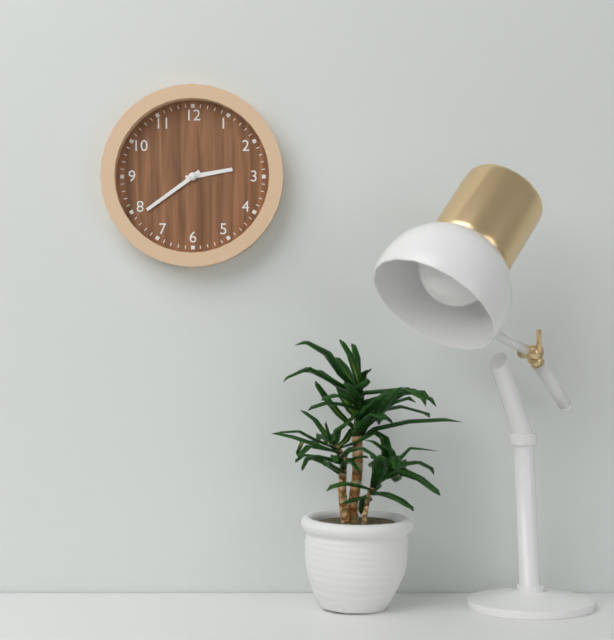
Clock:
2 h 39 min
